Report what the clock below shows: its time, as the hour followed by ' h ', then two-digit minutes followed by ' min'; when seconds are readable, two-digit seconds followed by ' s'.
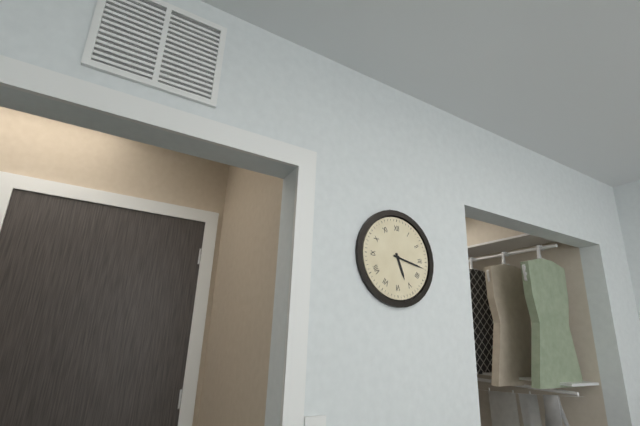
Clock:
5 h 17 min
